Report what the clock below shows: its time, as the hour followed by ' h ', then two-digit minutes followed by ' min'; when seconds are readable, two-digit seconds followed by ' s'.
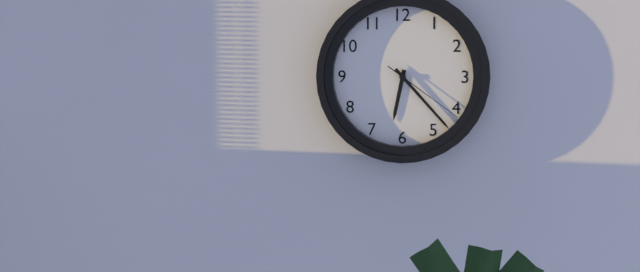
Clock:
6 h 23 min 21 s
